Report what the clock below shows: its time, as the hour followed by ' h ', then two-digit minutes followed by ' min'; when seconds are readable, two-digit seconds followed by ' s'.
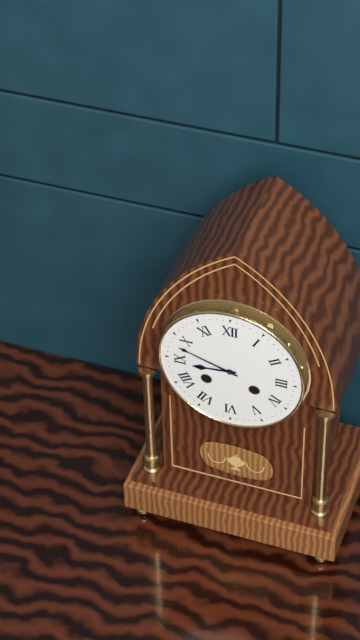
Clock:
8 h 48 min
